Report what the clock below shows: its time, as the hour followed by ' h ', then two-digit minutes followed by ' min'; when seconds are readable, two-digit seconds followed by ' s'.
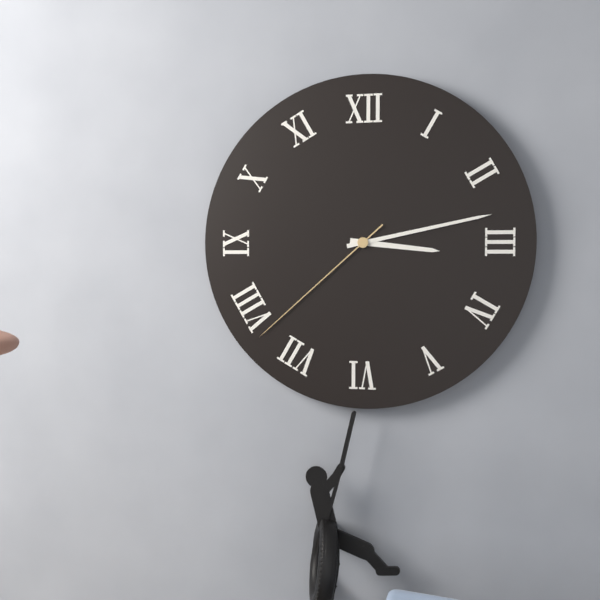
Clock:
3 h 13 min 38 s
